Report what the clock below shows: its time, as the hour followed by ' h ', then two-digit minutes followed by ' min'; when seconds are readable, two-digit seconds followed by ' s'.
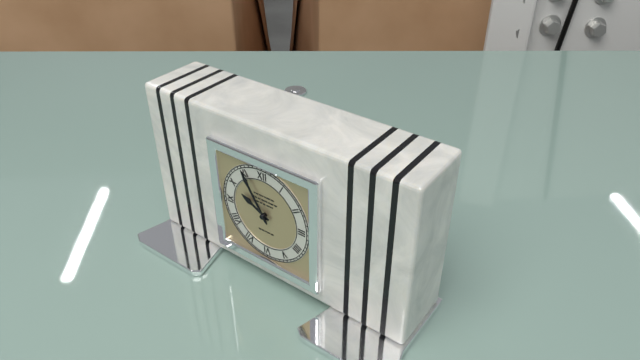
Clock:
9 h 55 min
